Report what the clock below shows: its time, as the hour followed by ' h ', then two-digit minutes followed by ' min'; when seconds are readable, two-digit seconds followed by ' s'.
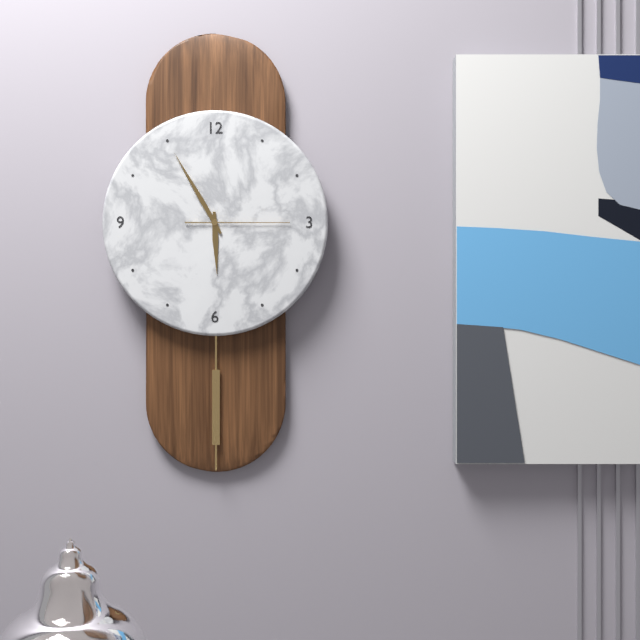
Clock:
5 h 55 min 15 s
